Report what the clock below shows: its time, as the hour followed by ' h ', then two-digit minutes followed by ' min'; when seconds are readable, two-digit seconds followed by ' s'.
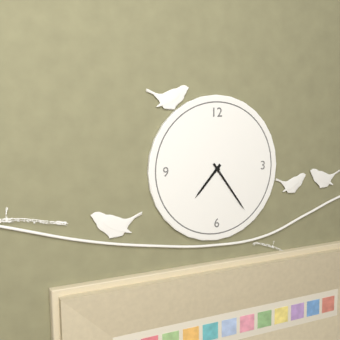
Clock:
7 h 24 min
